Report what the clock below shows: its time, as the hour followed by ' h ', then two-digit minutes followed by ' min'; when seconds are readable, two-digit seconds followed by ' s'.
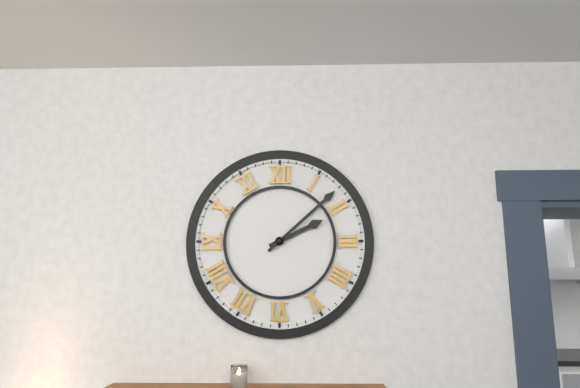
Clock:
2 h 08 min
